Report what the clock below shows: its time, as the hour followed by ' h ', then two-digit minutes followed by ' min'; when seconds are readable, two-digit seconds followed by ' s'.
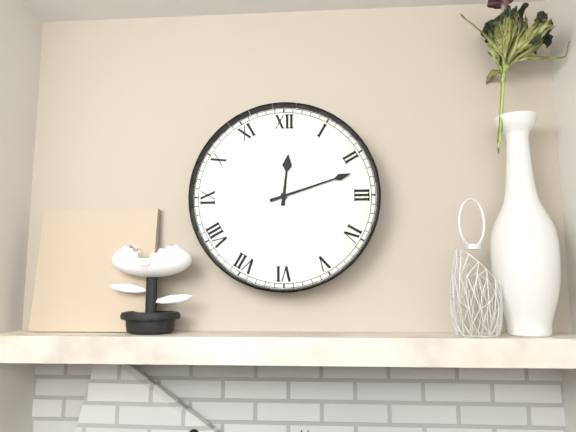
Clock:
12 h 12 min
